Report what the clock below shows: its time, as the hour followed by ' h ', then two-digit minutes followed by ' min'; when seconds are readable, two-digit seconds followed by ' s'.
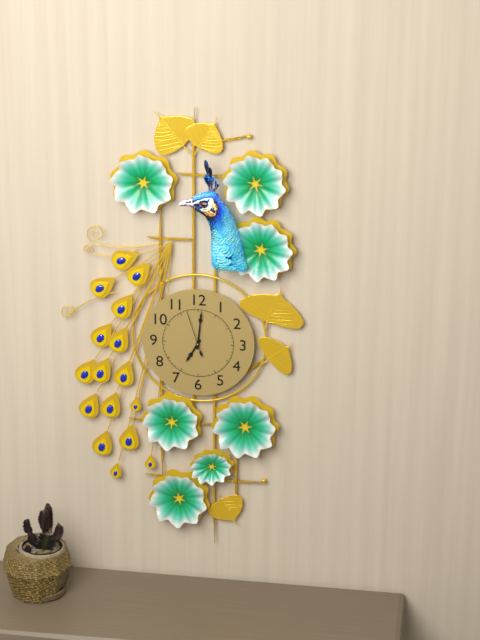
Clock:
7 h 01 min
